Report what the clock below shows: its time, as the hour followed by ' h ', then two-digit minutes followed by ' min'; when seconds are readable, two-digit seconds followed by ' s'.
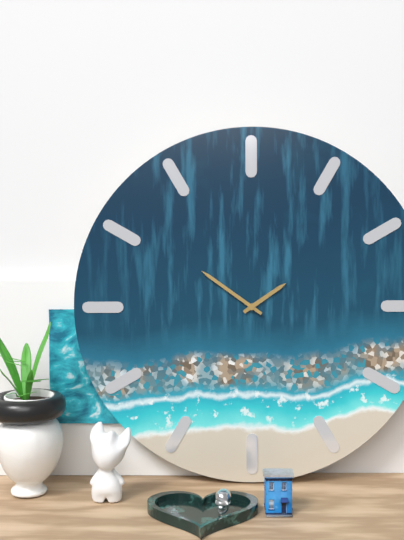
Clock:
1 h 51 min
